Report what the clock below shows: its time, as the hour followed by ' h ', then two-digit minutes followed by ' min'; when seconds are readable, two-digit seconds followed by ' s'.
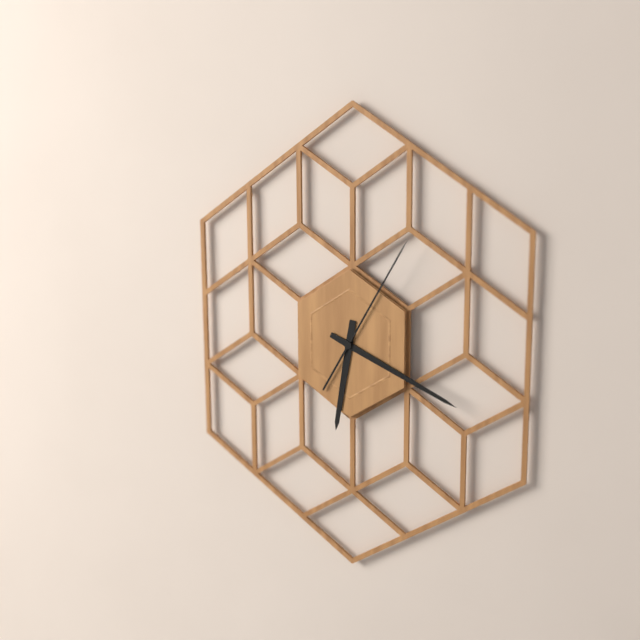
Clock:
6 h 19 min 05 s
